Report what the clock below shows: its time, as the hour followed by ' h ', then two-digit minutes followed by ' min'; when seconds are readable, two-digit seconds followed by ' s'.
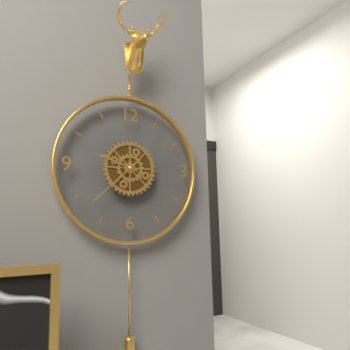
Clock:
9 h 38 min
